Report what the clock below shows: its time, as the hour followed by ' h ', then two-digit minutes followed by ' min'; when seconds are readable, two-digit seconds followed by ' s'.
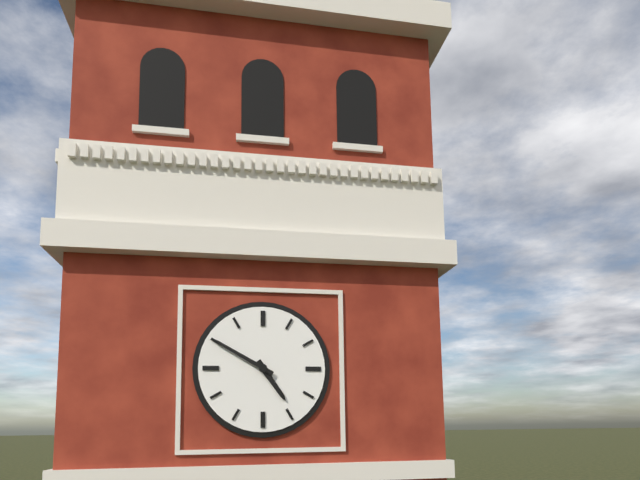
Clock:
4 h 50 min
